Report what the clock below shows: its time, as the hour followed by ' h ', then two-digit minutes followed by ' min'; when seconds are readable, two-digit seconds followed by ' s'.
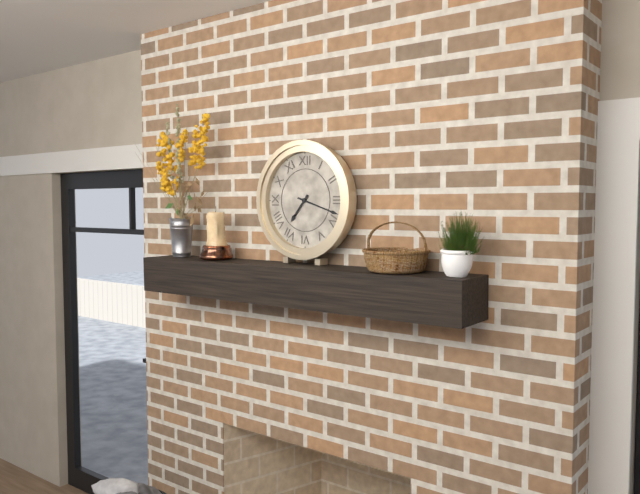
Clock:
7 h 18 min
